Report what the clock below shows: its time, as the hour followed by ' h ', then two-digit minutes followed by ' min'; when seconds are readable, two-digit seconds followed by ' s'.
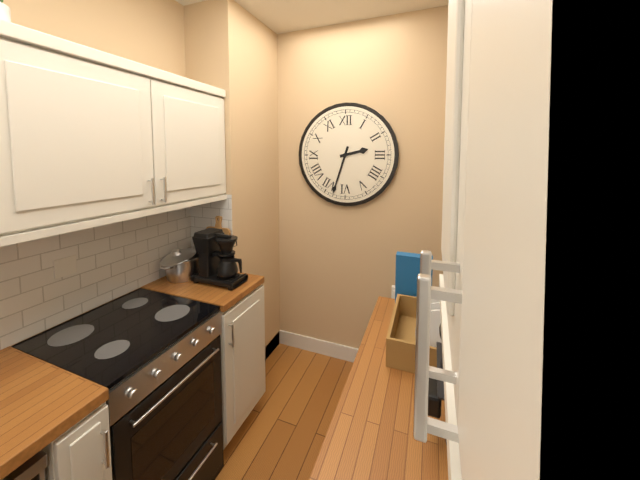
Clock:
2 h 33 min
